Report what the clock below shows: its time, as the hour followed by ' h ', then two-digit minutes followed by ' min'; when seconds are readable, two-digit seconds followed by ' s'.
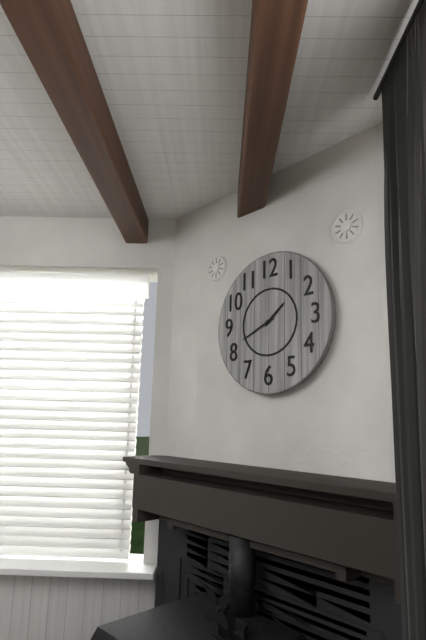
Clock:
1 h 41 min
